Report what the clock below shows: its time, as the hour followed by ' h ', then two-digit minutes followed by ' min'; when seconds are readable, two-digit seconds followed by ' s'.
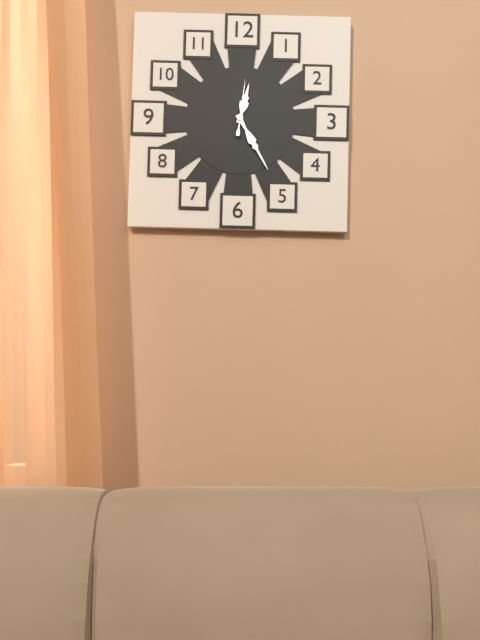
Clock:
12 h 25 min 01 s
